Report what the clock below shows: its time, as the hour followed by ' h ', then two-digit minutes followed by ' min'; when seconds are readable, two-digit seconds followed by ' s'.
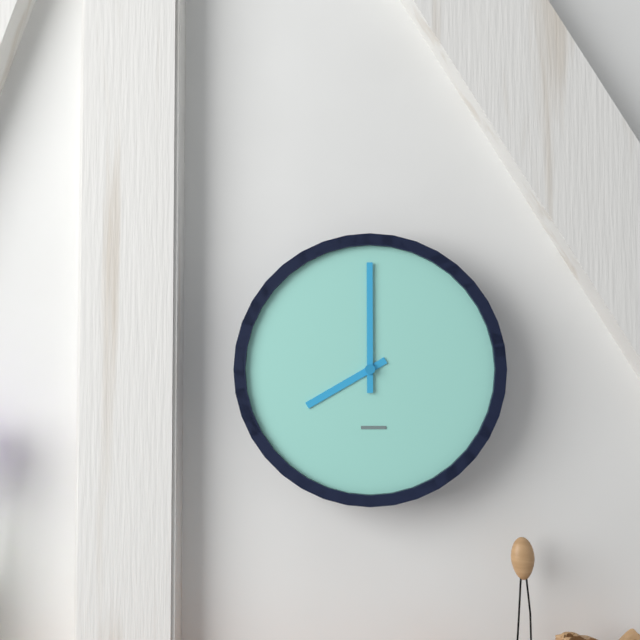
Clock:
8 h 00 min
